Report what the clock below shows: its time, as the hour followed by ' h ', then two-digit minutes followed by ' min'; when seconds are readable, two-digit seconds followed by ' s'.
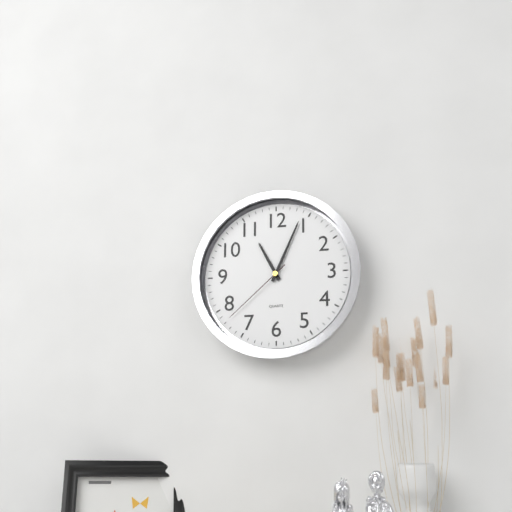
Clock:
11 h 04 min 38 s
